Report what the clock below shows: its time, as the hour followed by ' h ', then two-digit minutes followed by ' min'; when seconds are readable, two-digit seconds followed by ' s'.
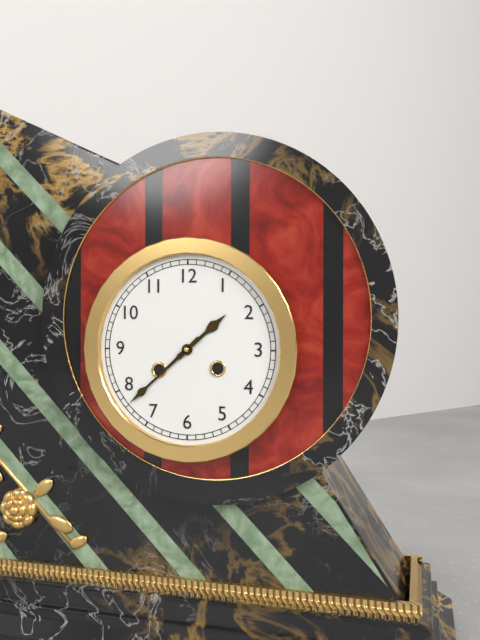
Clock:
1 h 38 min
